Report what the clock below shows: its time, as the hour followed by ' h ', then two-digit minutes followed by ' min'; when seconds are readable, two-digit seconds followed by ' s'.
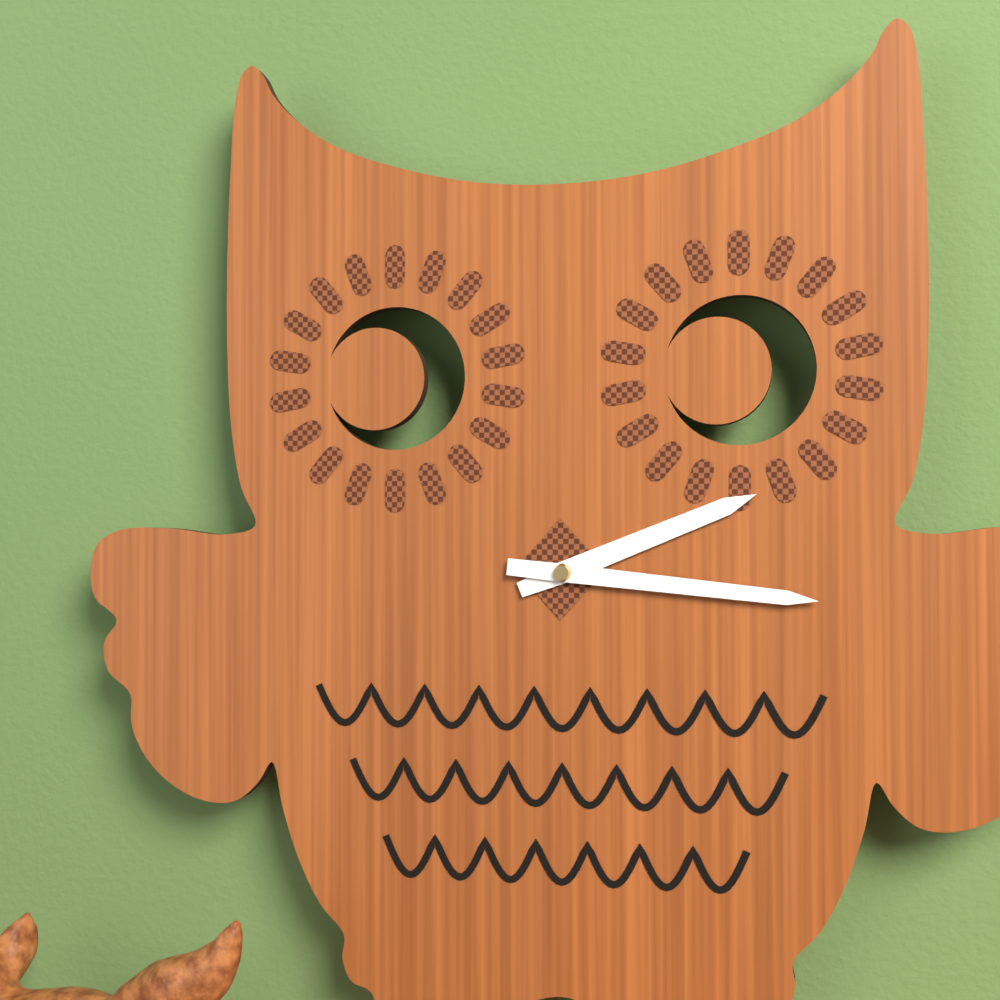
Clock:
2 h 16 min
